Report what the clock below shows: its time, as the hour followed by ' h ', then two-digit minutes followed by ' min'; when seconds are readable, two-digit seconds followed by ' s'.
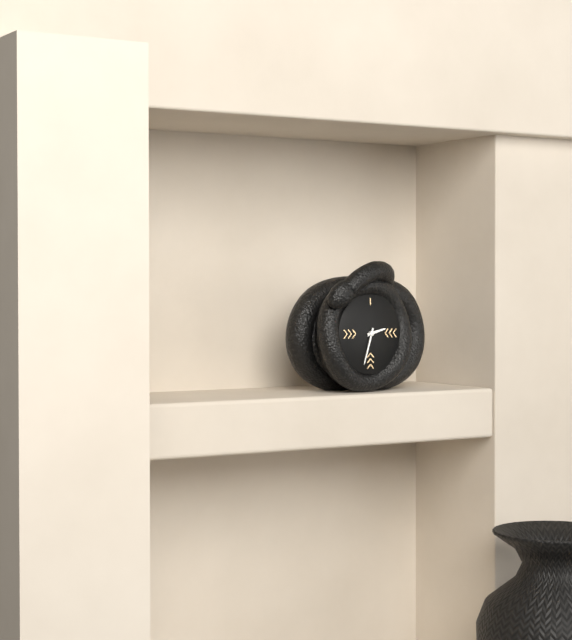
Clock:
2 h 33 min
